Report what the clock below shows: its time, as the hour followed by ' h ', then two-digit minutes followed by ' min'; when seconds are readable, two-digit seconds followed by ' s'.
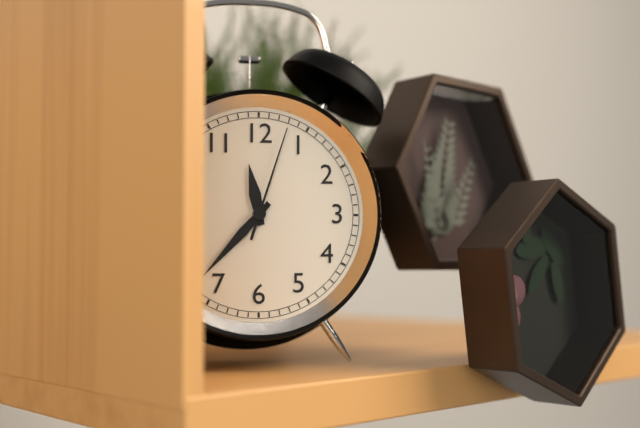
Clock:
11 h 37 min 03 s
